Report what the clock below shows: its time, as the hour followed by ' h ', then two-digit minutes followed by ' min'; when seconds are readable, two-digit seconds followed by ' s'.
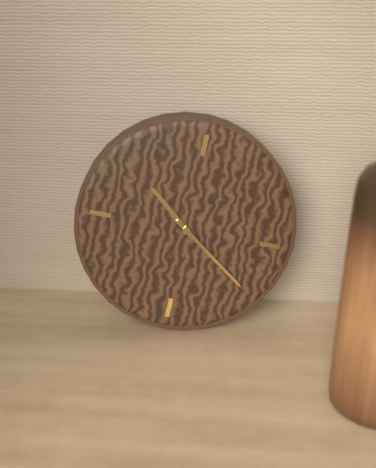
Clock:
10 h 21 min
